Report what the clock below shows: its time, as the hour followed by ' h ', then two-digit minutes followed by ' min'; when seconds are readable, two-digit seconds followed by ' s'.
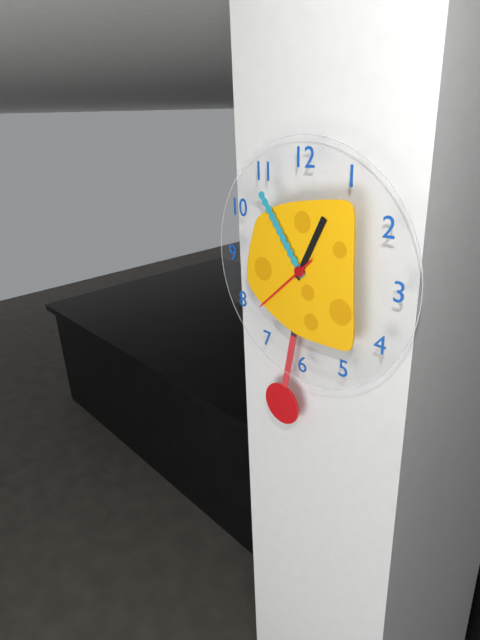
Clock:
12 h 54 min 38 s
